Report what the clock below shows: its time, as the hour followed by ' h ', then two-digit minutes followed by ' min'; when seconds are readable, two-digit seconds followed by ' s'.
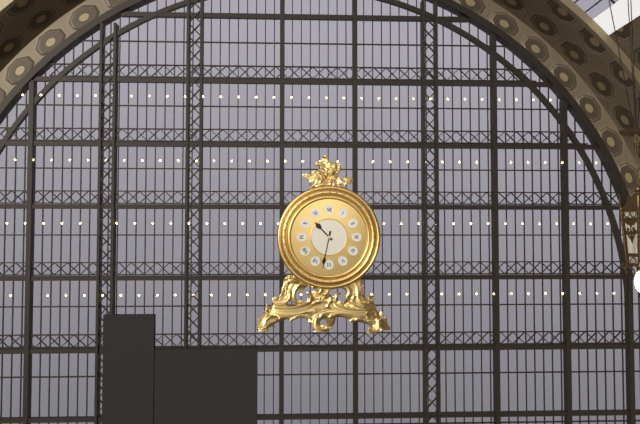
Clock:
10 h 32 min
